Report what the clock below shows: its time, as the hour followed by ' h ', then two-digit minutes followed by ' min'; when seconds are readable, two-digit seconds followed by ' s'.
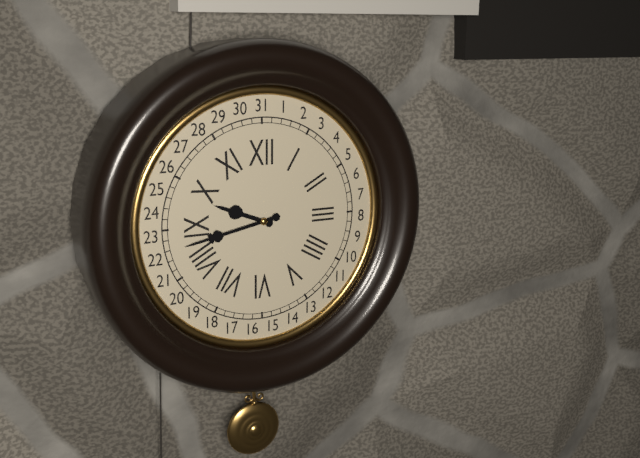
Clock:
9 h 43 min
